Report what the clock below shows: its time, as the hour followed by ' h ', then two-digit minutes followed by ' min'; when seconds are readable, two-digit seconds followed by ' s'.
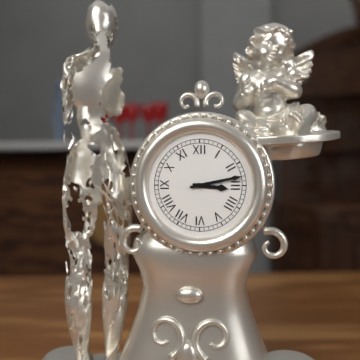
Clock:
3 h 13 min
